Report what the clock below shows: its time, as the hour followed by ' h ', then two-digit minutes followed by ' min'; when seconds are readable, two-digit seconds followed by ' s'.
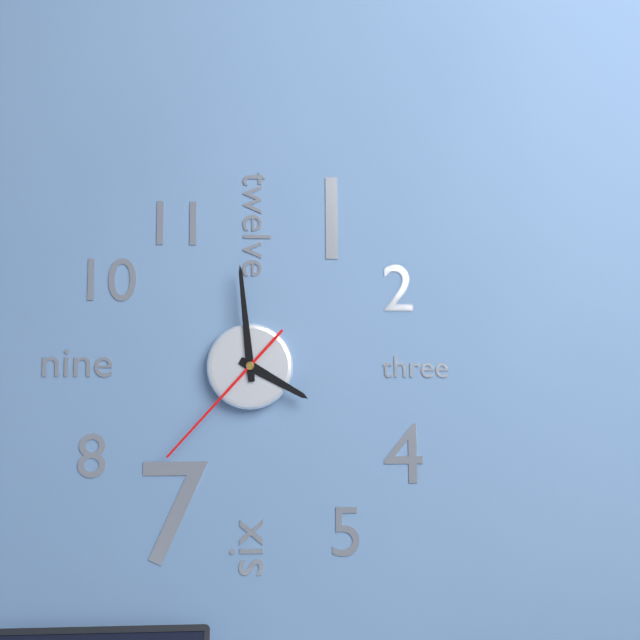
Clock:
3 h 59 min 37 s
